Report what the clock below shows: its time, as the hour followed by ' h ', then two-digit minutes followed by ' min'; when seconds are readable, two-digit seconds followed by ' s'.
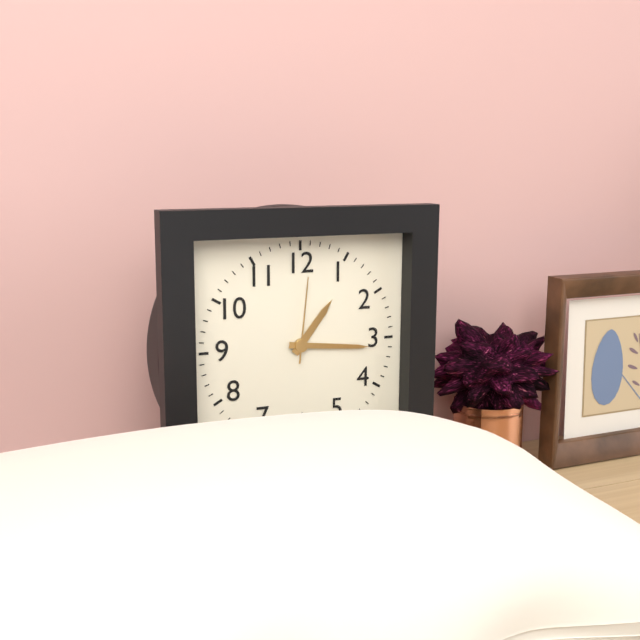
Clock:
1 h 16 min 01 s
